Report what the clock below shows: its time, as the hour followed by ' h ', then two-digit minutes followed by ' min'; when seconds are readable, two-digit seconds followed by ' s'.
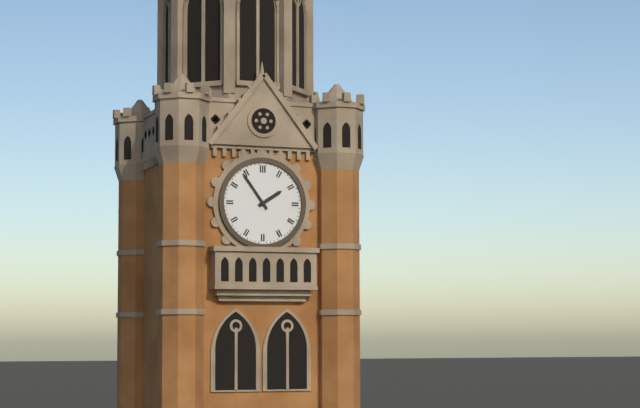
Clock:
1 h 54 min
